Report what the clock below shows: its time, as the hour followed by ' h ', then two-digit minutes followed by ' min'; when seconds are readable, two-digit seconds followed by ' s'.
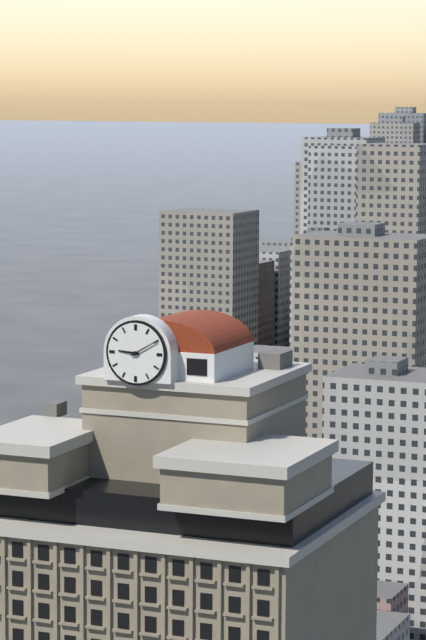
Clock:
9 h 10 min
